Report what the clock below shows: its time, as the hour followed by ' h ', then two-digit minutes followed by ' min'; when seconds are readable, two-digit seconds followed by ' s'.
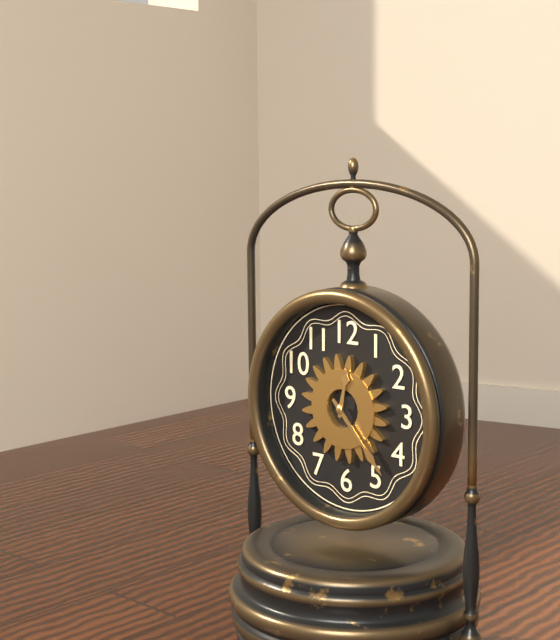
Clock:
12 h 23 min
